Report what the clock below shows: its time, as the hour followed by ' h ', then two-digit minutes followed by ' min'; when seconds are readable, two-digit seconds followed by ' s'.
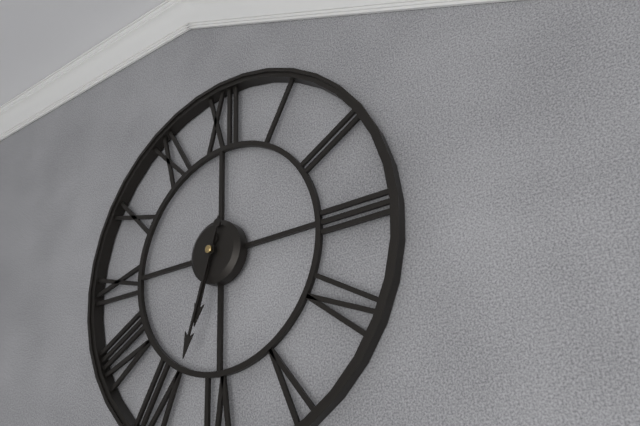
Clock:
6 h 33 min
